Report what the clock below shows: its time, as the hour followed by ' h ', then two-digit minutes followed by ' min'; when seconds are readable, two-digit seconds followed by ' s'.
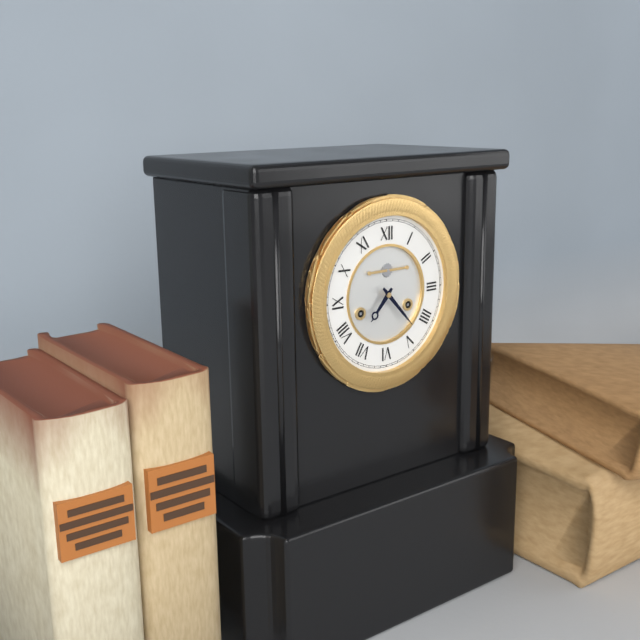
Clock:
7 h 23 min
